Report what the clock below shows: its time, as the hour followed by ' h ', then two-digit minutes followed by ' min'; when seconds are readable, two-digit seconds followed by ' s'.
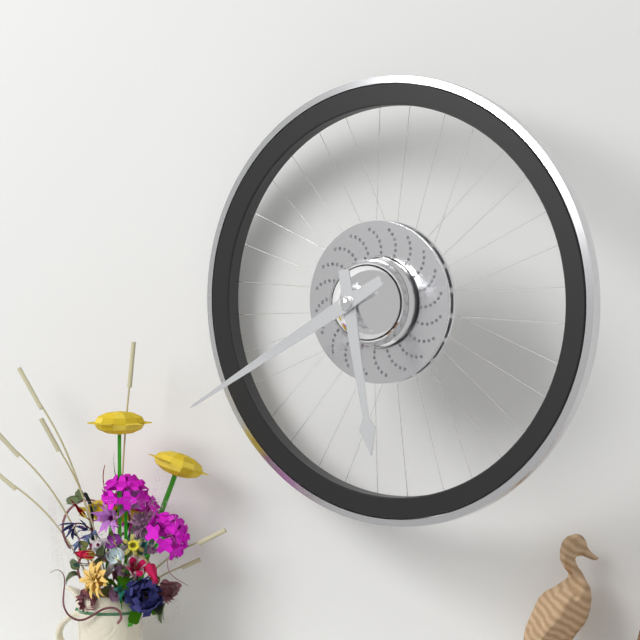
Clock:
5 h 40 min
